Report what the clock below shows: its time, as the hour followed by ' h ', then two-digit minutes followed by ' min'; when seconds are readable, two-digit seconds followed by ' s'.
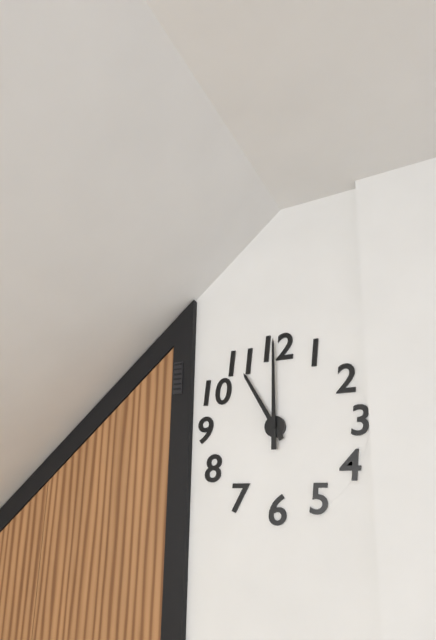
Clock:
11 h 00 min
